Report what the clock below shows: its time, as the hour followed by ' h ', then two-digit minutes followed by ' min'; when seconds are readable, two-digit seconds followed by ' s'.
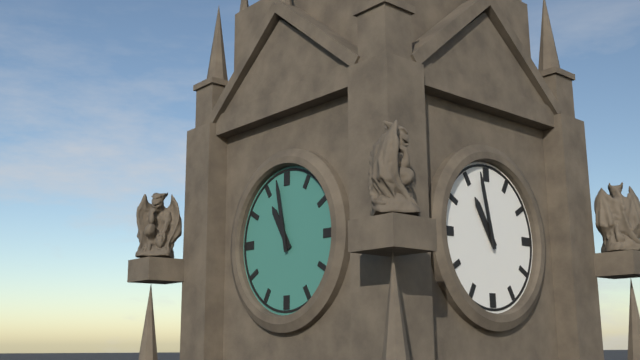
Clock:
10 h 58 min
